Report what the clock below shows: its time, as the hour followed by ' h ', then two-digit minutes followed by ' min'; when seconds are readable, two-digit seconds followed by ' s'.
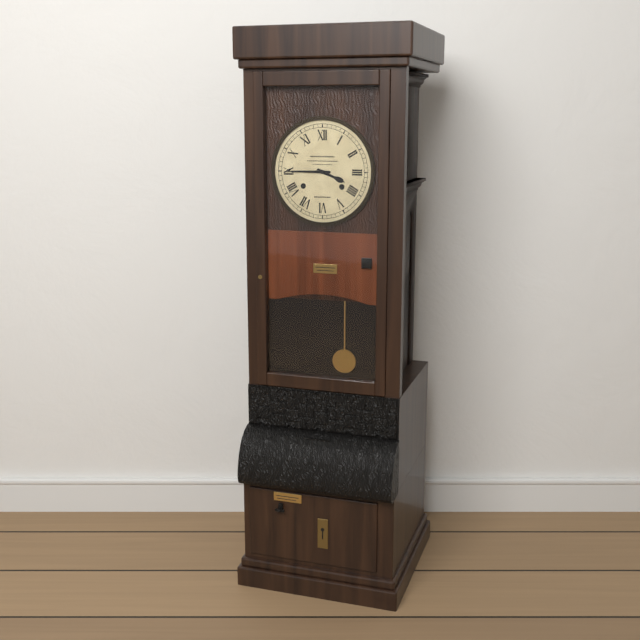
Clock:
3 h 45 min
